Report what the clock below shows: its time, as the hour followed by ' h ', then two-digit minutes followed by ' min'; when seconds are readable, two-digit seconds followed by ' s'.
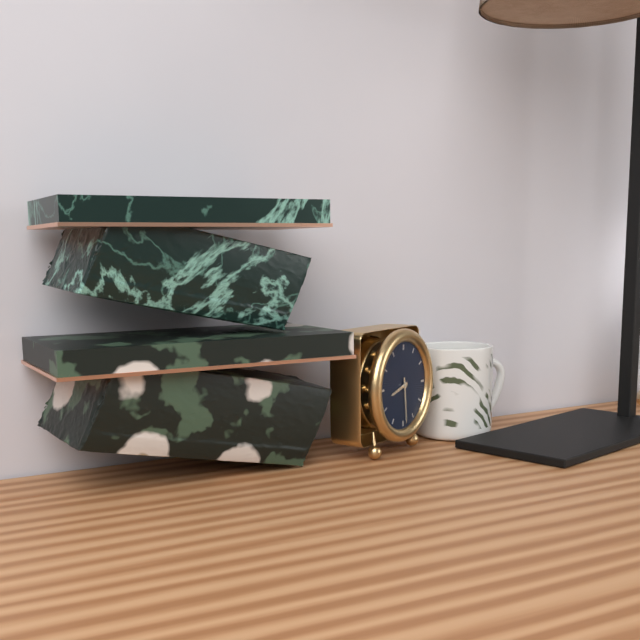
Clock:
8 h 29 min
